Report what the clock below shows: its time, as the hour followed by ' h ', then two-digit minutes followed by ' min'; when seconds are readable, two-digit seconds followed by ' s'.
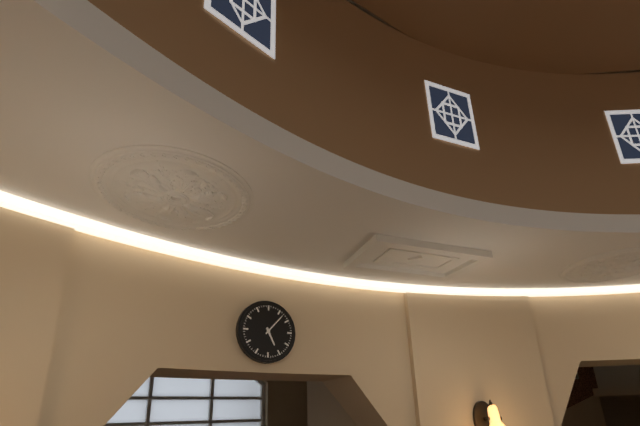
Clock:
5 h 07 min
